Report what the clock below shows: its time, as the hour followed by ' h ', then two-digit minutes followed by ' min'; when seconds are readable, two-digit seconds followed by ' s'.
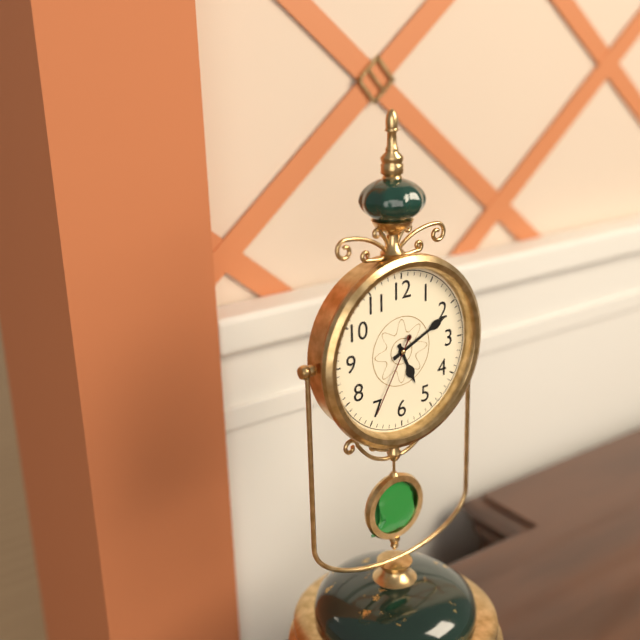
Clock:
5 h 11 min 35 s
